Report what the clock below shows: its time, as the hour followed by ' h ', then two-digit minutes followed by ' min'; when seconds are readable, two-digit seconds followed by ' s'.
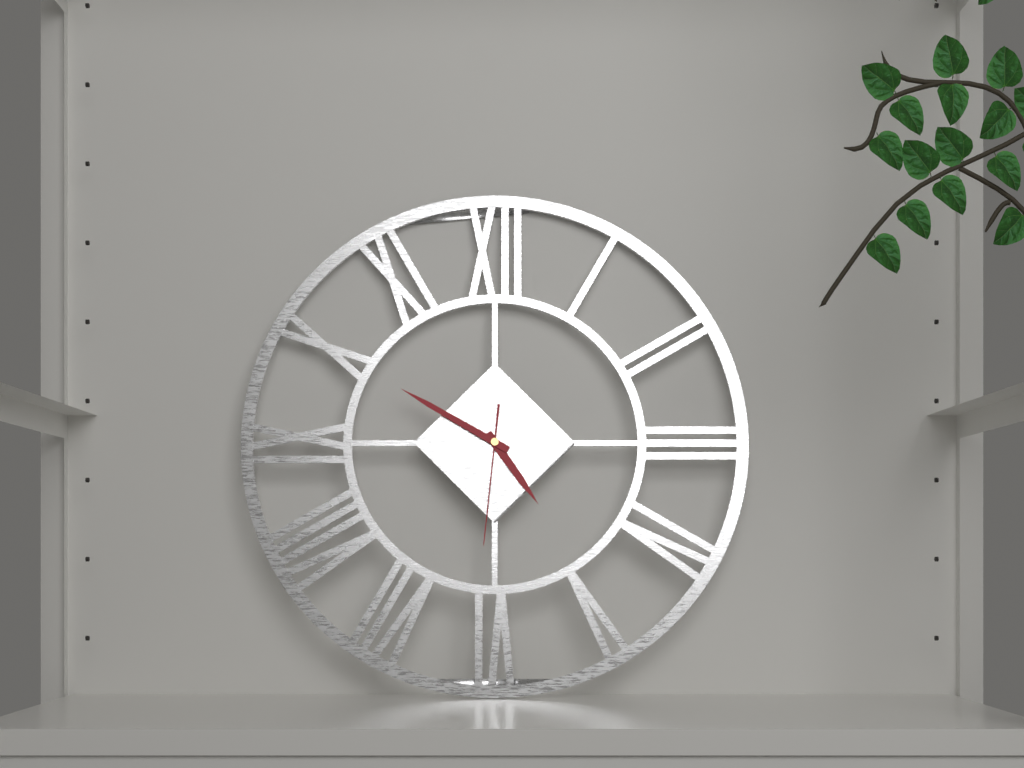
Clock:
4 h 50 min 31 s
